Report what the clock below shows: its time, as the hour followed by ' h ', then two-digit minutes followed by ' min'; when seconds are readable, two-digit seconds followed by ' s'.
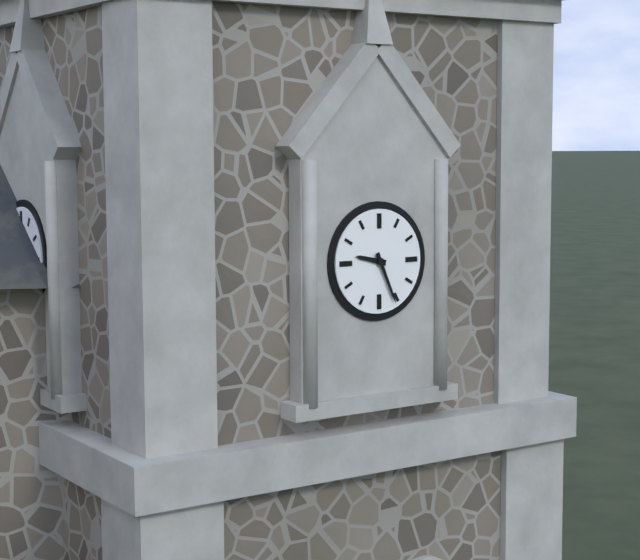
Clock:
9 h 26 min
